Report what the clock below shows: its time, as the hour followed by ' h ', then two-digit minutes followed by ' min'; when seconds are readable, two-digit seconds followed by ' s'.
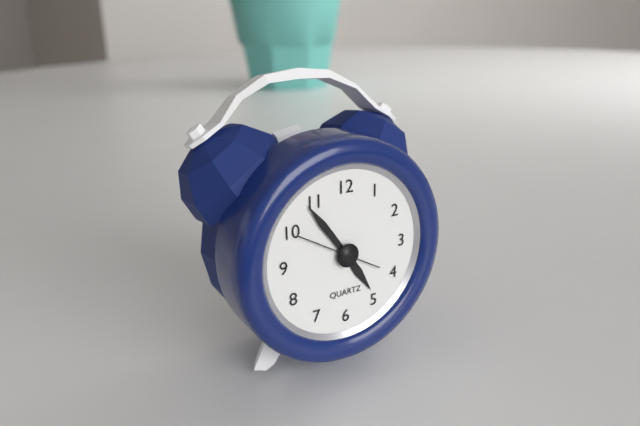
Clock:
4 h 54 min 50 s
